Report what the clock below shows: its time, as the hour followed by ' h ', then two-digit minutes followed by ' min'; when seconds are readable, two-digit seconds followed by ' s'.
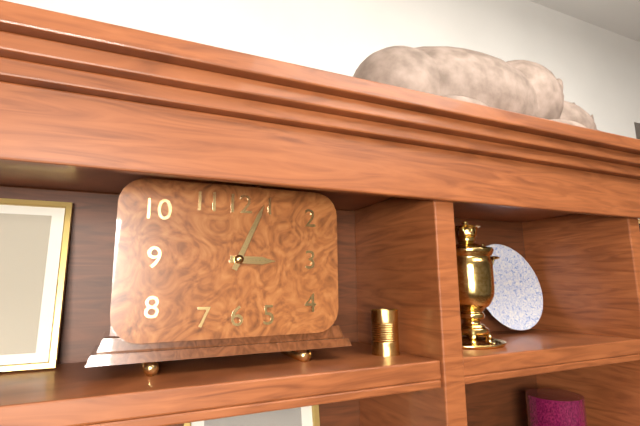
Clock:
3 h 04 min
